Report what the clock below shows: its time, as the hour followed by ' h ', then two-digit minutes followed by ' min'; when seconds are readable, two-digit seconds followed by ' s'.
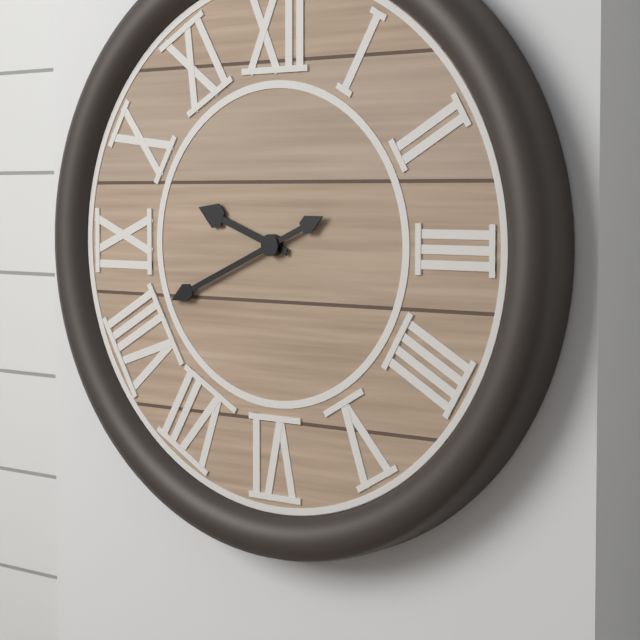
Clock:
9 h 41 min
